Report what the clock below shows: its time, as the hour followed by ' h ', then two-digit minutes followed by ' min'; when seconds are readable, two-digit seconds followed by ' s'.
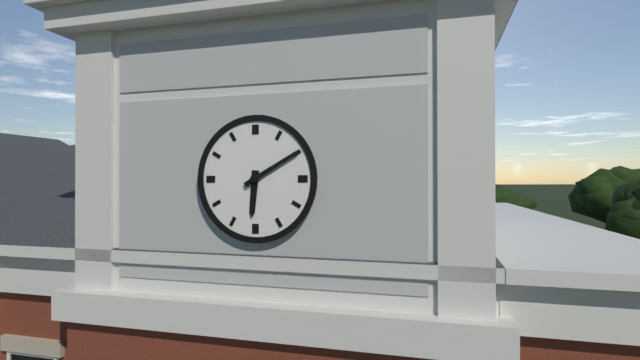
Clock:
6 h 10 min
